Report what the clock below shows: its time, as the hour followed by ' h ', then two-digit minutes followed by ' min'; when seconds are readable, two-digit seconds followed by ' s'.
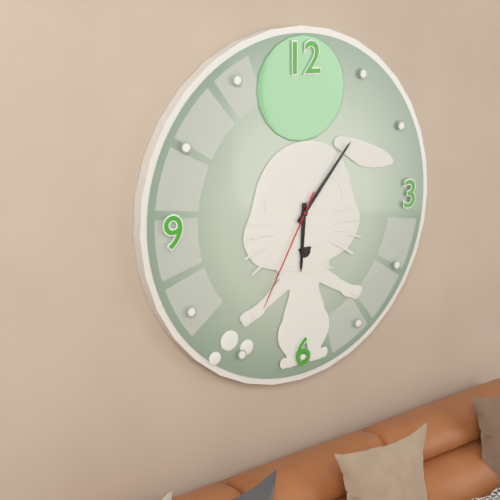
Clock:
6 h 07 min 35 s
